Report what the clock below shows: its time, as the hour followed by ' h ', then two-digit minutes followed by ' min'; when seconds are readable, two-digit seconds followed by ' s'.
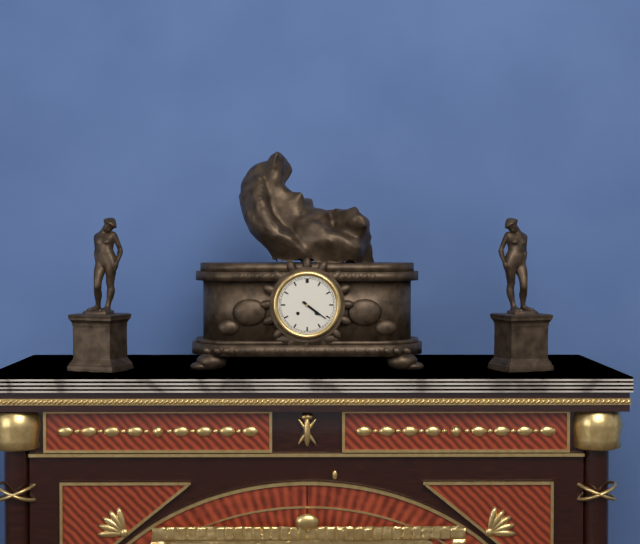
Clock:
4 h 21 min
